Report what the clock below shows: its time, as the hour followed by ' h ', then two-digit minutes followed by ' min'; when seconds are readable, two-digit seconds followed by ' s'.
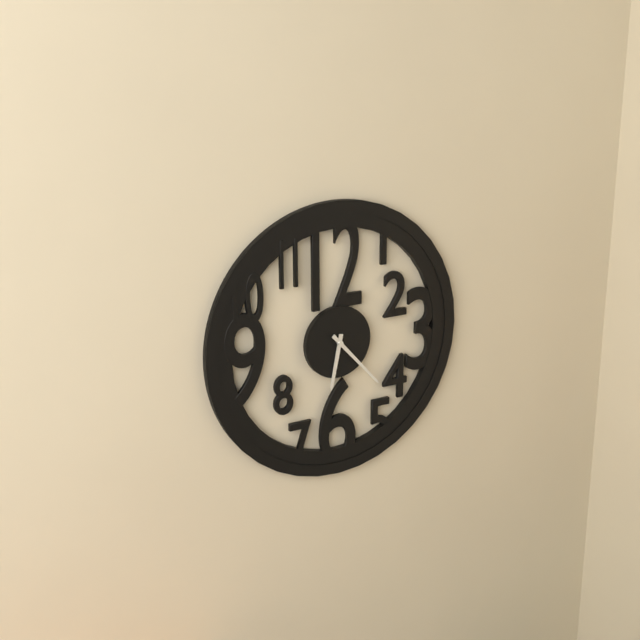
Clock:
6 h 23 min
